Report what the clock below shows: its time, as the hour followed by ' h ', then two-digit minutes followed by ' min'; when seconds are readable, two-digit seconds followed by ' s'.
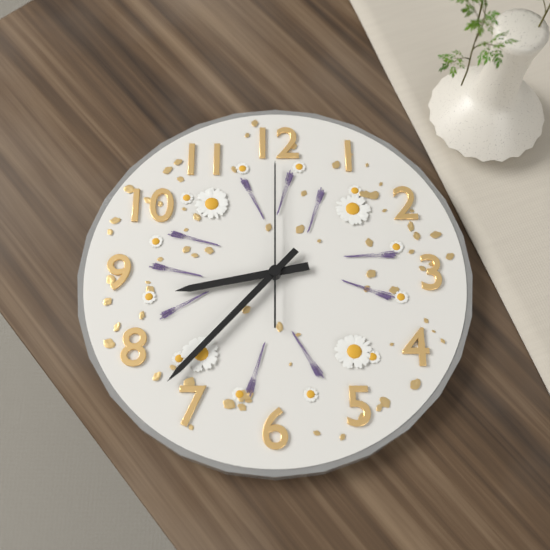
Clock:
8 h 37 min 00 s
